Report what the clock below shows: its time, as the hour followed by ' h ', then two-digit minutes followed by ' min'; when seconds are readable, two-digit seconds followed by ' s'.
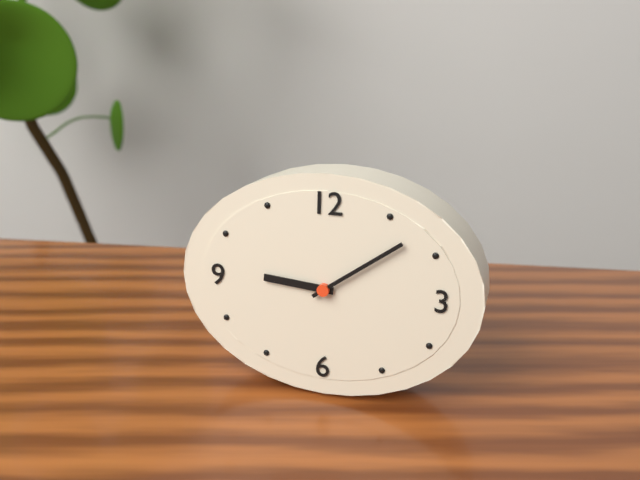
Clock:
9 h 09 min
